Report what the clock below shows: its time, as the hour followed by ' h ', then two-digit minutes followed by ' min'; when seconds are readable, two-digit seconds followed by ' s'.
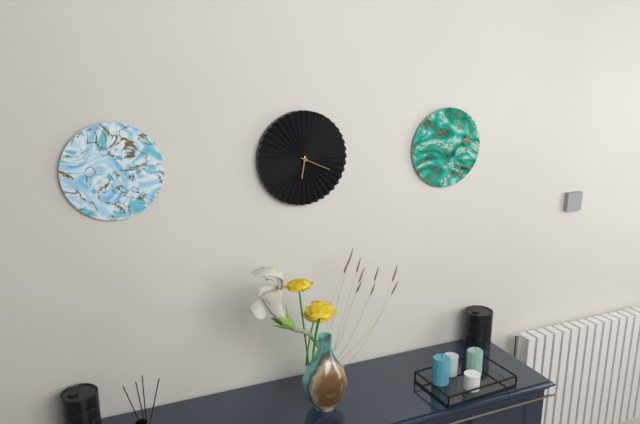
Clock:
6 h 19 min
